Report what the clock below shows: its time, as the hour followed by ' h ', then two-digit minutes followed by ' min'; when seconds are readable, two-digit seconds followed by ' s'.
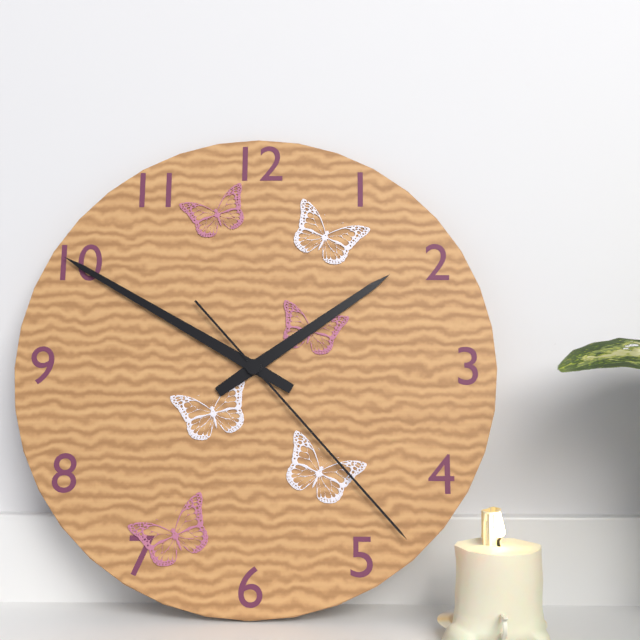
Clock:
1 h 50 min 23 s
